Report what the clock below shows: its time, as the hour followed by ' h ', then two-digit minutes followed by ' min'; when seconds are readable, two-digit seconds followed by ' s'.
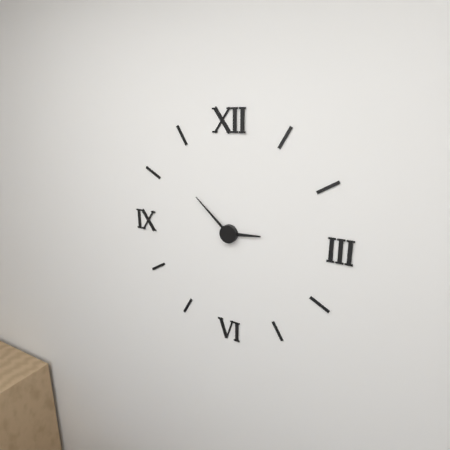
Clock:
2 h 52 min
